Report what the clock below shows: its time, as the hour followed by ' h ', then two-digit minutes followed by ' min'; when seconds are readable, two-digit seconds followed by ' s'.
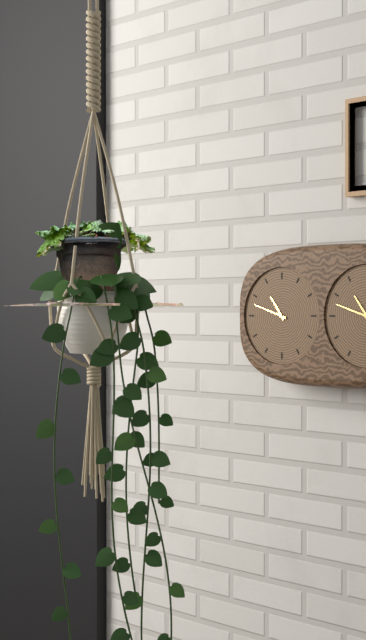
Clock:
10 h 48 min
